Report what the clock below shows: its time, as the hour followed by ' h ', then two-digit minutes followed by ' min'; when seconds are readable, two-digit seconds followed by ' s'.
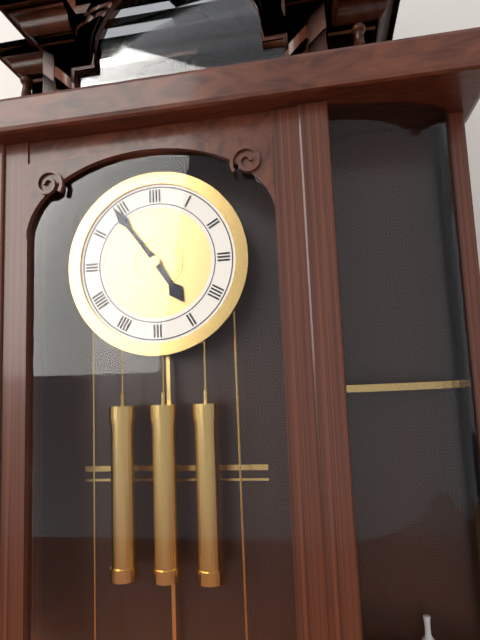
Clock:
4 h 54 min
